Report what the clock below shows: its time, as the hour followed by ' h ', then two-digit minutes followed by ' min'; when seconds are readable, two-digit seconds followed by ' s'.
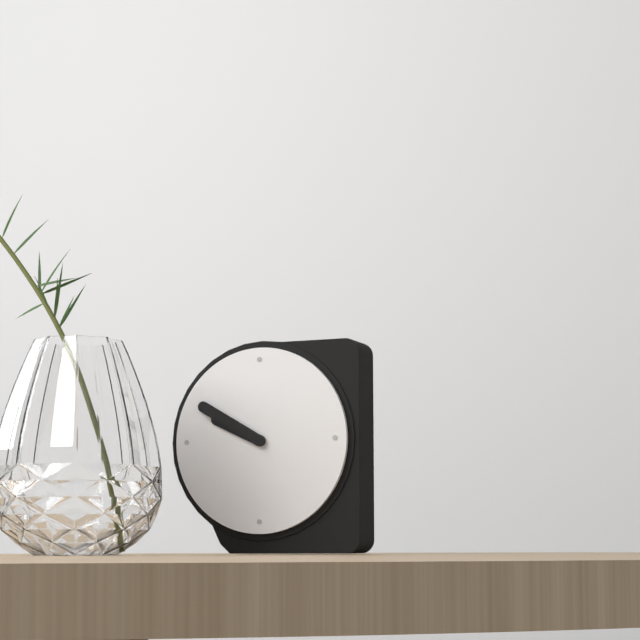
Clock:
9 h 50 min
